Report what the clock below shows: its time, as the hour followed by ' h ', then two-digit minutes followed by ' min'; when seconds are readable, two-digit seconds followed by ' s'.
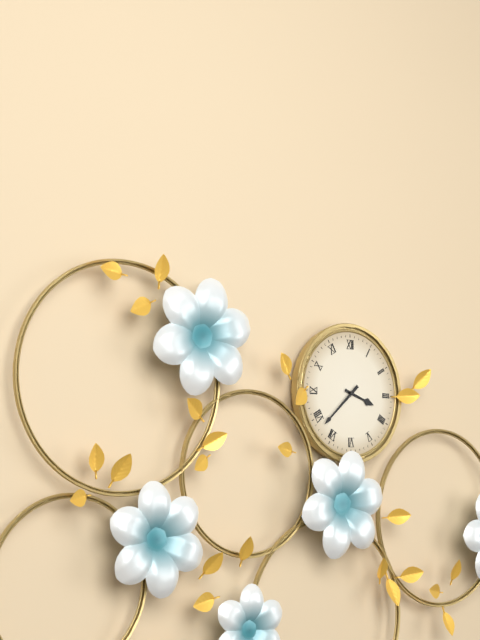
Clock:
3 h 38 min
